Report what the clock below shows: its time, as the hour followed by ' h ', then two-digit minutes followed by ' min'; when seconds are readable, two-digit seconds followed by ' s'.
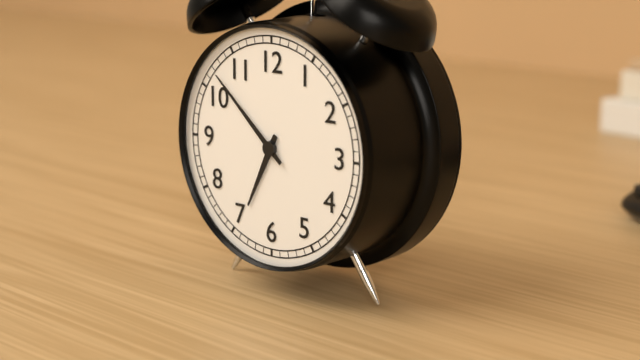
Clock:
6 h 52 min
